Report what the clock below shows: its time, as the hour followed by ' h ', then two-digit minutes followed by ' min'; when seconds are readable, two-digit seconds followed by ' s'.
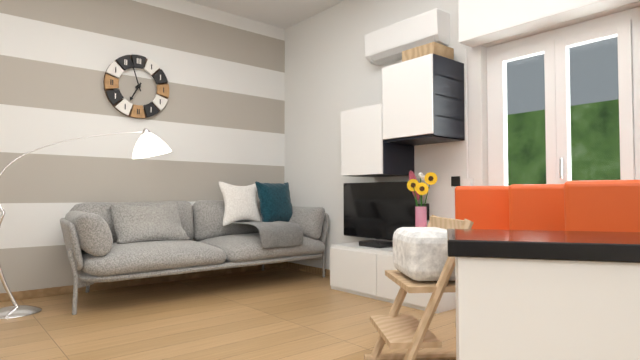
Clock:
6 h 57 min
